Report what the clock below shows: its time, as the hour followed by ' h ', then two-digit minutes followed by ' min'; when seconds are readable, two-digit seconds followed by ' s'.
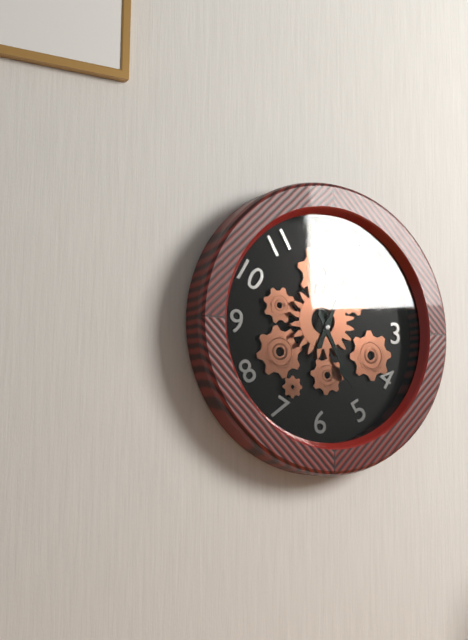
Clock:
5 h 04 min
